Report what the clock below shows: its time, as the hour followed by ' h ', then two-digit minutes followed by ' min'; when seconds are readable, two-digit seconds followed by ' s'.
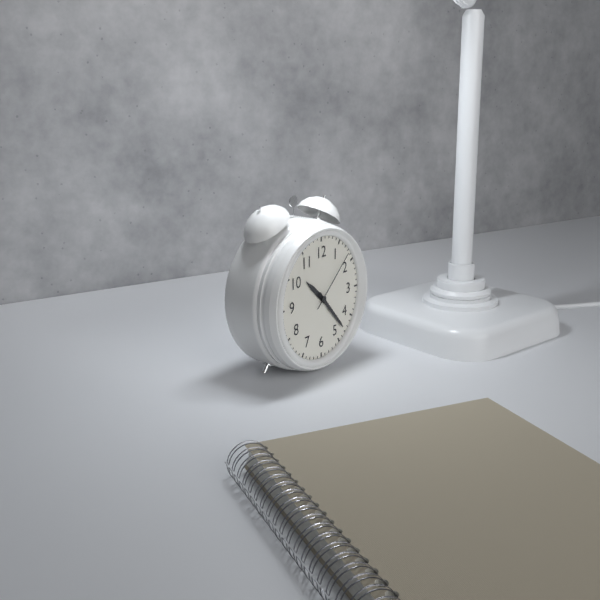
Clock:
10 h 23 min 08 s
